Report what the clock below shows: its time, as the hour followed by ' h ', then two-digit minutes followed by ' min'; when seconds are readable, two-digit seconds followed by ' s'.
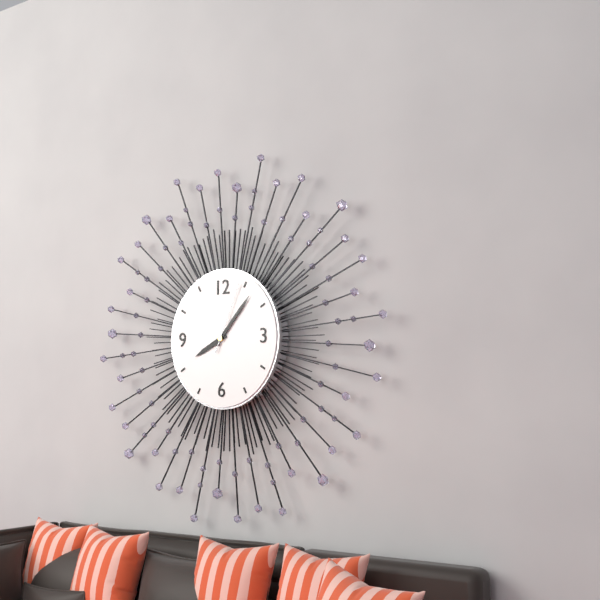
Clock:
8 h 07 min 04 s
